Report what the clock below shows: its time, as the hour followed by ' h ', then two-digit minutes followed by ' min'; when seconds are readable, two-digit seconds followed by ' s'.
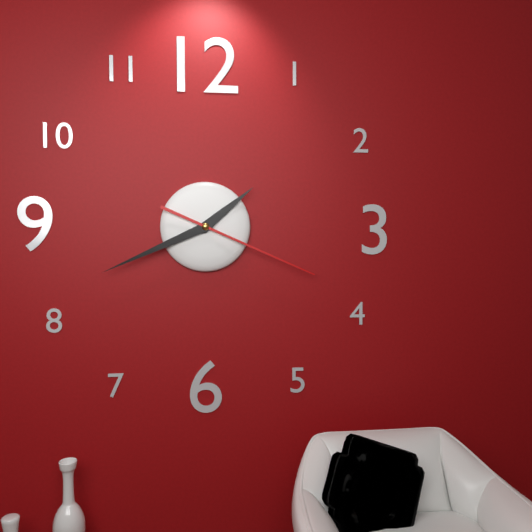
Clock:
1 h 41 min 19 s
